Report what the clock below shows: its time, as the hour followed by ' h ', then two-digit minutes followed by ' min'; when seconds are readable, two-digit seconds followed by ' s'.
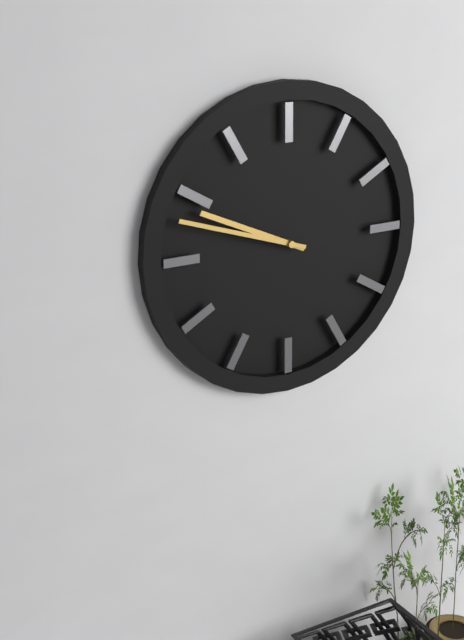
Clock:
9 h 48 min
